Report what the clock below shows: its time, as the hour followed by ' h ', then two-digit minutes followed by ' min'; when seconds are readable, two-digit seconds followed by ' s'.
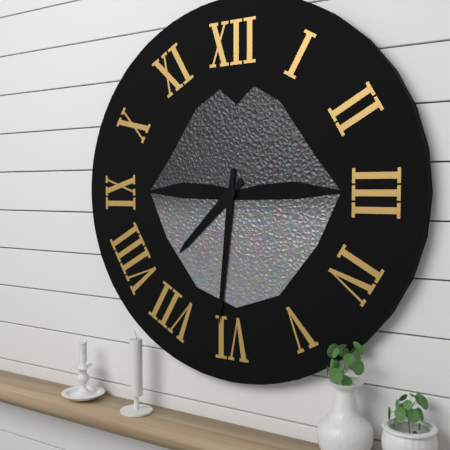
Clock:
7 h 31 min
